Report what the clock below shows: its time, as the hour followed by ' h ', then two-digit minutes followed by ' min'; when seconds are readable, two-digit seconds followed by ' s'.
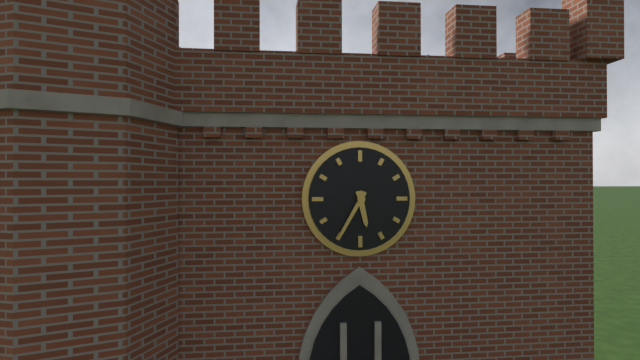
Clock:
5 h 35 min
